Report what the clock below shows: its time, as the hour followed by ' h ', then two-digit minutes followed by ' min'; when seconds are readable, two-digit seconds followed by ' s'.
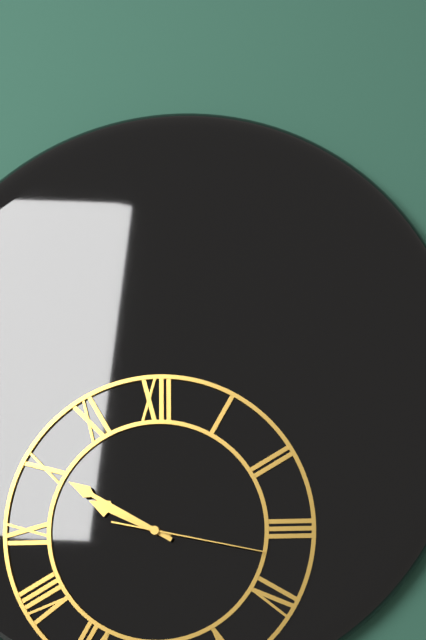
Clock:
9 h 50 min 17 s
